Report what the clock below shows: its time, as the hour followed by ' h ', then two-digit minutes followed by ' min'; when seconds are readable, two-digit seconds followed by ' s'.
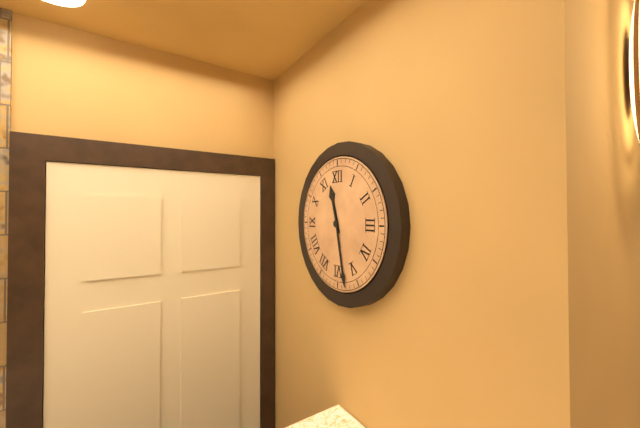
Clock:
11 h 28 min
